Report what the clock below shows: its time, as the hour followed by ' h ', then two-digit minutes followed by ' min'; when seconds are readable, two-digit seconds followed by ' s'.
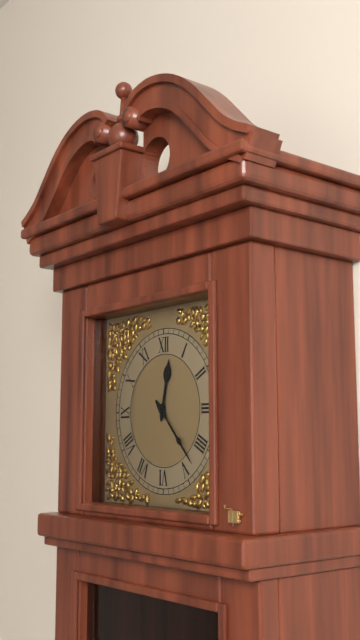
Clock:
12 h 23 min
